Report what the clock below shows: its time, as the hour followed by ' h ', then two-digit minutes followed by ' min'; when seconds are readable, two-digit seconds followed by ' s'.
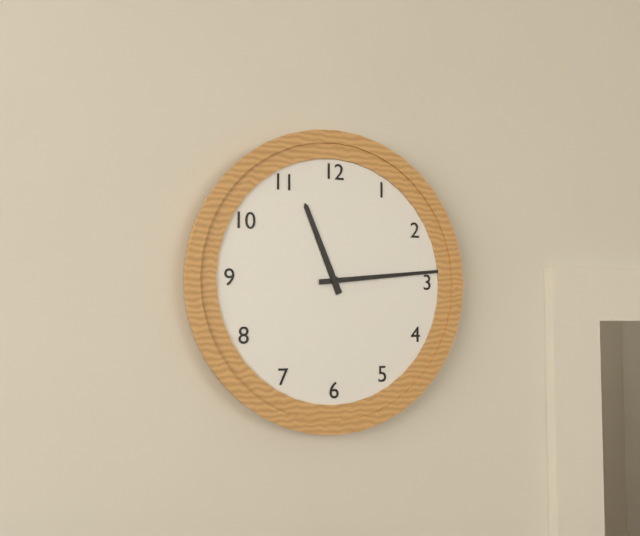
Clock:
11 h 14 min
